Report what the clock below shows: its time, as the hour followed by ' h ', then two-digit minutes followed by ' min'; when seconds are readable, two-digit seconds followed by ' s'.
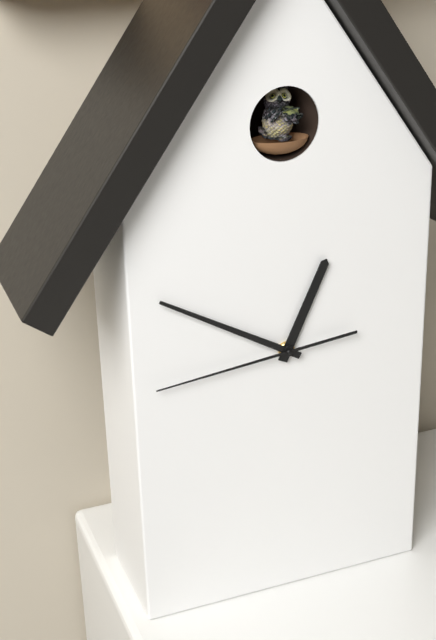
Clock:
12 h 50 min 44 s
